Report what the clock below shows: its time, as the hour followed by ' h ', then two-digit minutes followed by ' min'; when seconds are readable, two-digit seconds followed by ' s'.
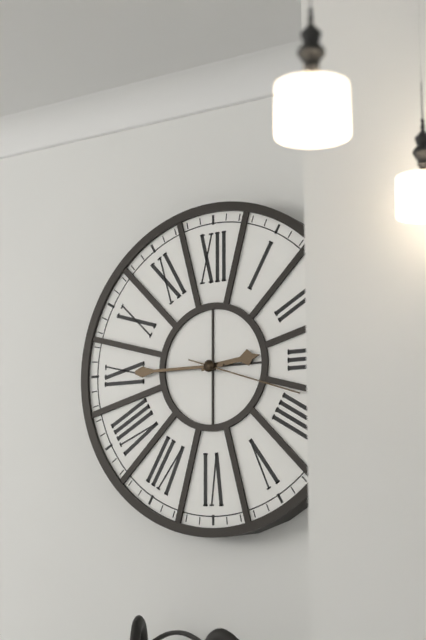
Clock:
2 h 45 min 18 s
